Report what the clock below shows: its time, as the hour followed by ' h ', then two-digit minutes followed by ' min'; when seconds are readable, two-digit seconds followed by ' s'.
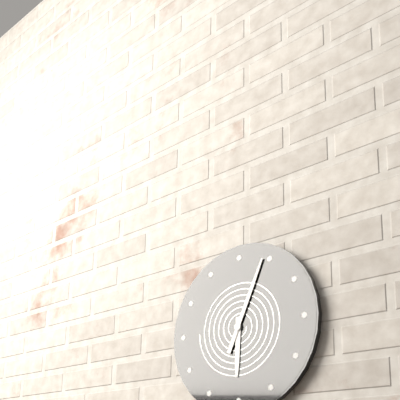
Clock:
6 h 04 min
